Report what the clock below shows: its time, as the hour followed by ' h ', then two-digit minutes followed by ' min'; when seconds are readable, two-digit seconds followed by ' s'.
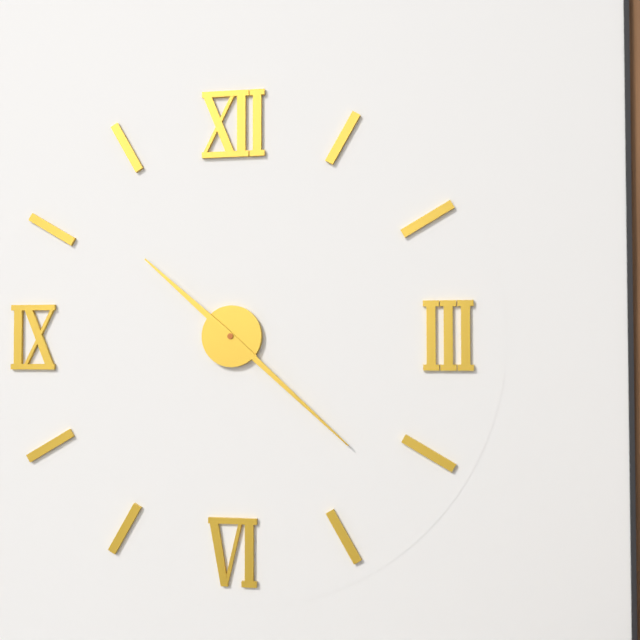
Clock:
10 h 22 min
